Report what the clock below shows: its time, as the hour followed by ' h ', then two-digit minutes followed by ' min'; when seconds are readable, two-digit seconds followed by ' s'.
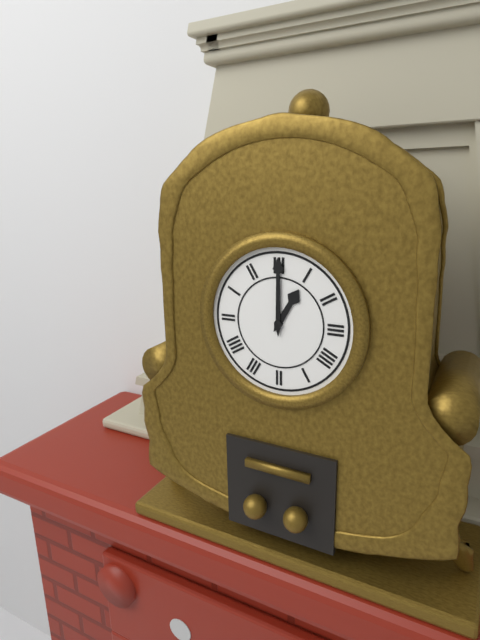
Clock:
1 h 00 min
